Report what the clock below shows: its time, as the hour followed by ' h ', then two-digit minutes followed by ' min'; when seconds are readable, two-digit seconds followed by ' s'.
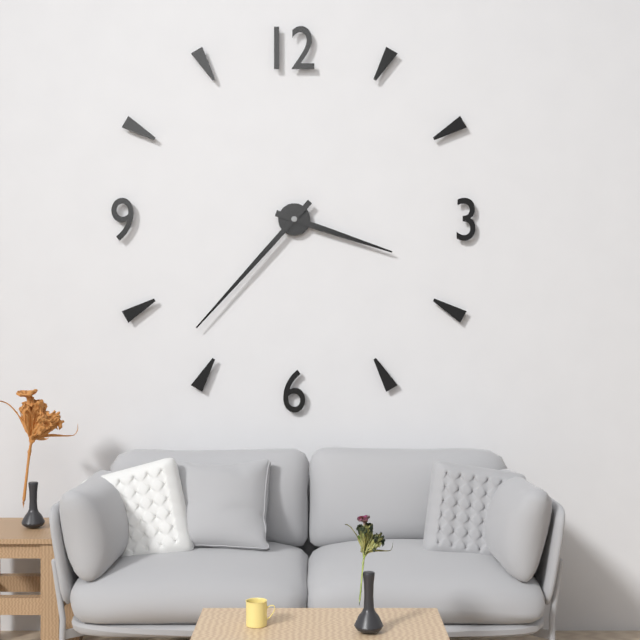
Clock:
3 h 37 min
